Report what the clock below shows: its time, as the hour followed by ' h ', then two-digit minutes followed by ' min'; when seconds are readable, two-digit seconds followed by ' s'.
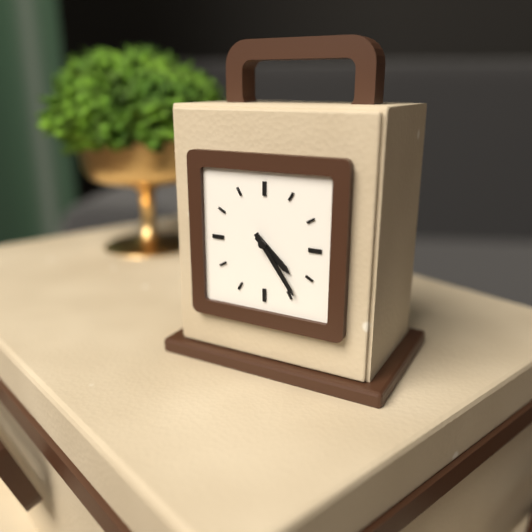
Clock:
4 h 24 min
